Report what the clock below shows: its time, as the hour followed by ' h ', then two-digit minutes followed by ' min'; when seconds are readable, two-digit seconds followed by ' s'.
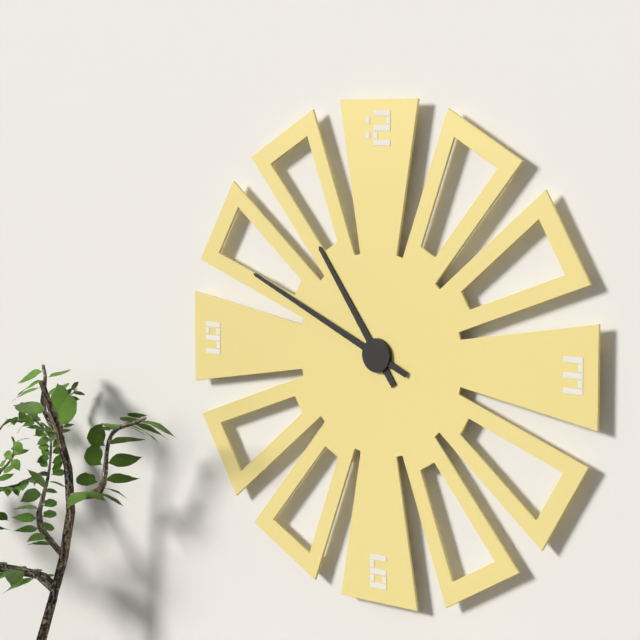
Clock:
10 h 49 min
